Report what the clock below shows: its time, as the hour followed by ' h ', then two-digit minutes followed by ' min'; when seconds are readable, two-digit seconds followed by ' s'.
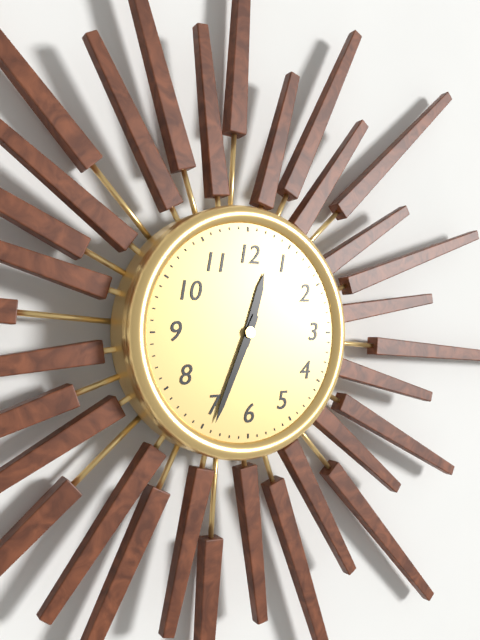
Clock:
12 h 34 min
